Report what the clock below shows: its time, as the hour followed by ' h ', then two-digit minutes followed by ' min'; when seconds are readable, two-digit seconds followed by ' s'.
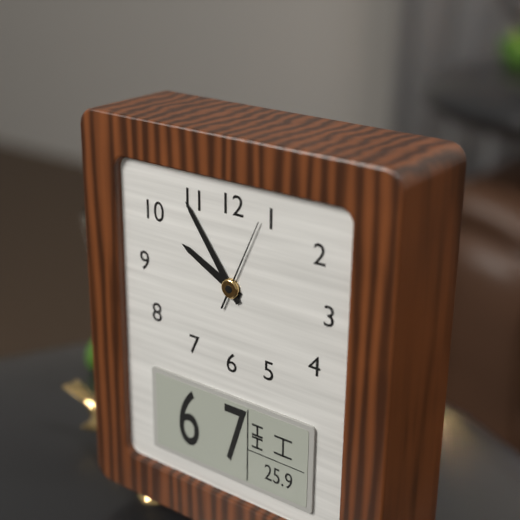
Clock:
9 h 54 min 04 s
